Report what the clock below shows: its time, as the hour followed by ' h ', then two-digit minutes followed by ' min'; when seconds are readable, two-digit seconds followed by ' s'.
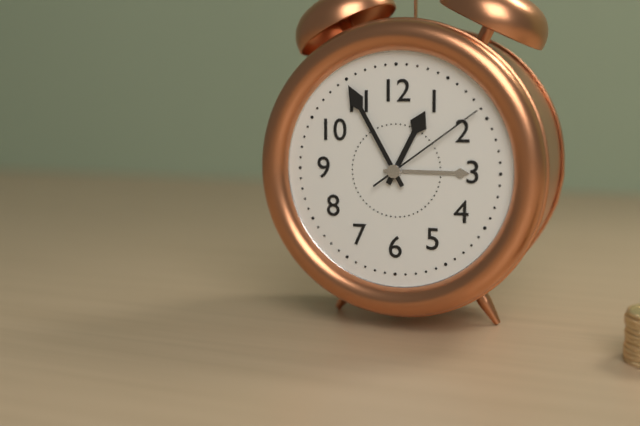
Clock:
12 h 55 min 09 s
